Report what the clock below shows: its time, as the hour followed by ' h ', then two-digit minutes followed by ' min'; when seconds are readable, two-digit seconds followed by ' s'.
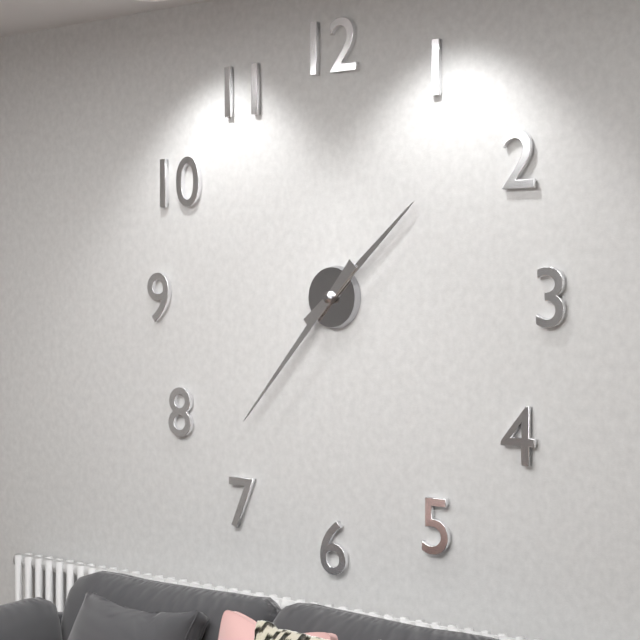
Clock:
1 h 37 min
